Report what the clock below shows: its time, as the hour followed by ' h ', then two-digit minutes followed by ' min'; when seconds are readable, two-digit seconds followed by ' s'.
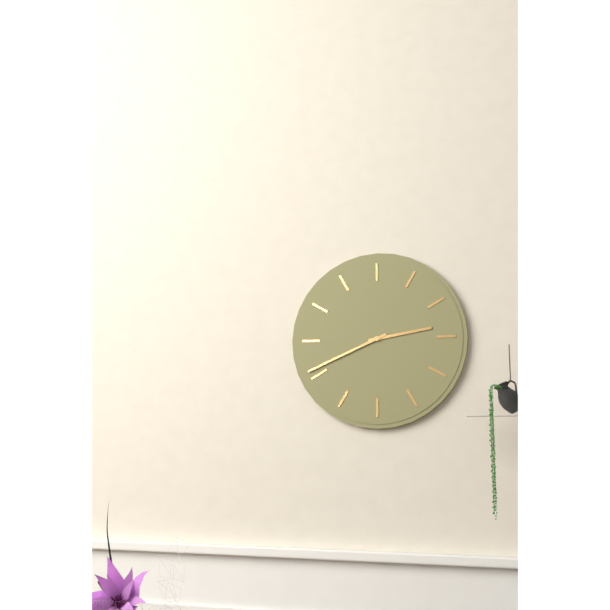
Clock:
2 h 41 min
